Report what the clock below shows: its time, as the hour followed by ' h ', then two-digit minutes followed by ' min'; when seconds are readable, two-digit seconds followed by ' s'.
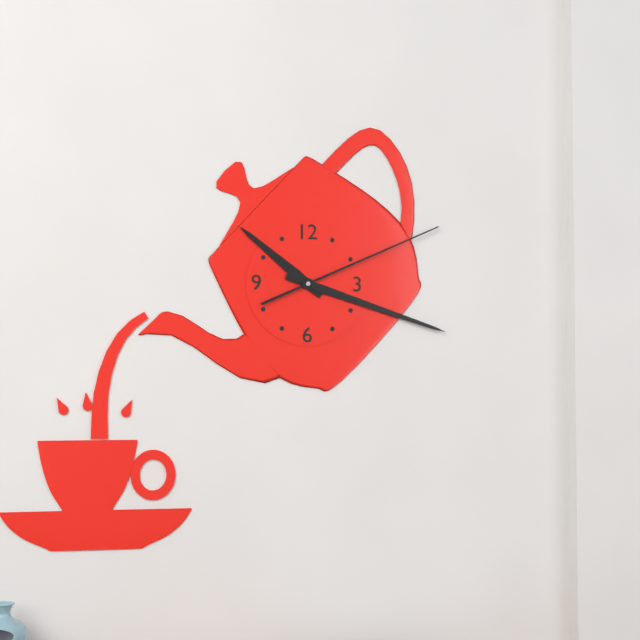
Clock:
10 h 18 min 11 s
